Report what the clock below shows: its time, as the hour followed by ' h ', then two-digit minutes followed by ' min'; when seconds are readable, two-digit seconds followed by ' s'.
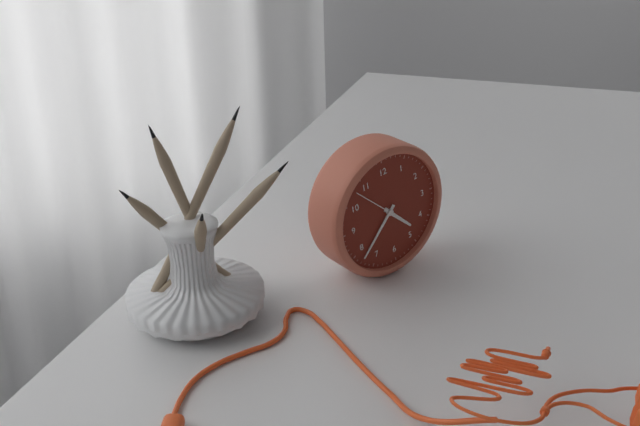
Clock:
4 h 38 min
